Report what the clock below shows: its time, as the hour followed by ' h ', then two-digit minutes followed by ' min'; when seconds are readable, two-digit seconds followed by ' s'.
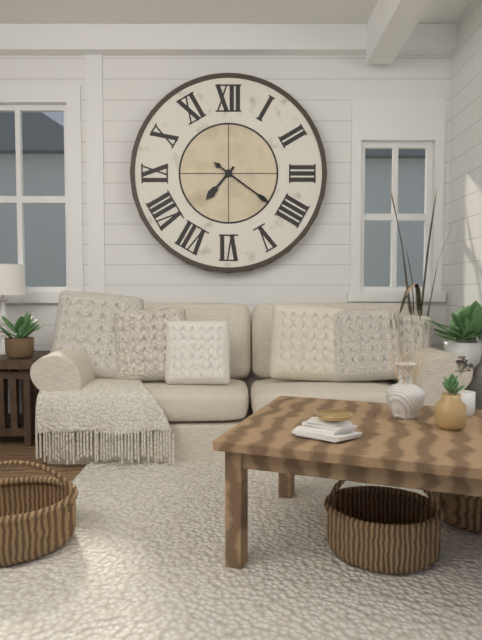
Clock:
7 h 21 min
